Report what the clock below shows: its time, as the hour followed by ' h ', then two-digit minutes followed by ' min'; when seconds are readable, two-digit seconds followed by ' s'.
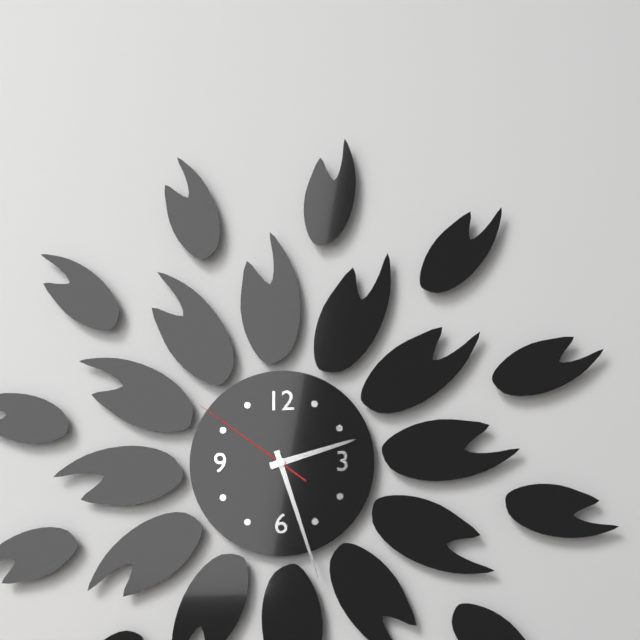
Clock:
2 h 27 min 51 s
